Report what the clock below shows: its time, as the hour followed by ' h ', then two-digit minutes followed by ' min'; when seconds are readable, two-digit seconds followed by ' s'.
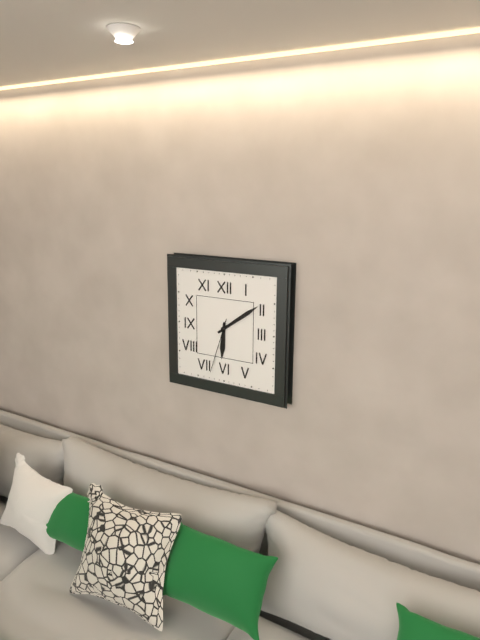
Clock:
6 h 09 min 33 s
